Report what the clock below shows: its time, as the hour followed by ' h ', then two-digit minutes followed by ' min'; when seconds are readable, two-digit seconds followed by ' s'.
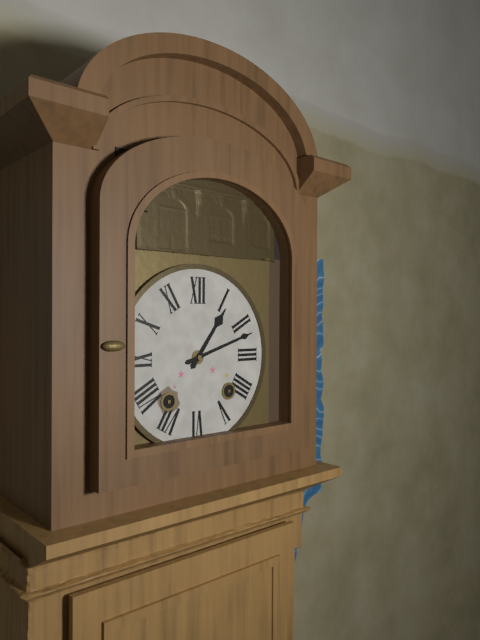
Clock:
1 h 12 min
